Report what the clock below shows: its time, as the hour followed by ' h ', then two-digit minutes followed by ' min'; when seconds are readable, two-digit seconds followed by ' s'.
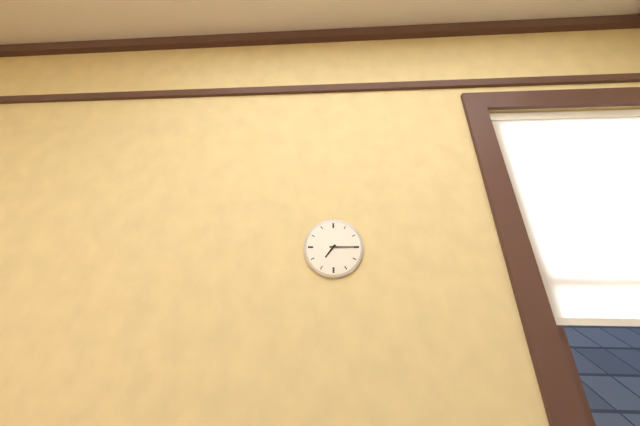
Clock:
7 h 15 min
